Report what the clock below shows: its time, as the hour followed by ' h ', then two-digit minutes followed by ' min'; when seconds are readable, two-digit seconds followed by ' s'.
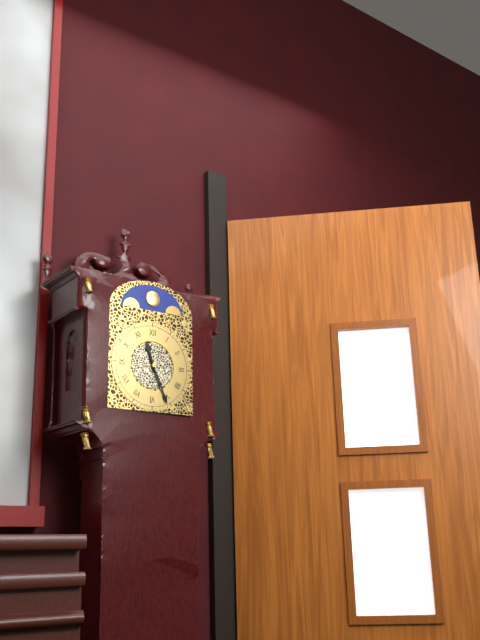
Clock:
11 h 26 min
